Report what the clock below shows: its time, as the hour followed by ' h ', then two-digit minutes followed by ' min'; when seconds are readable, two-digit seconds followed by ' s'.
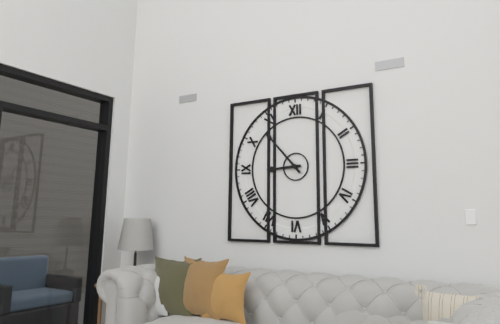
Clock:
8 h 53 min
